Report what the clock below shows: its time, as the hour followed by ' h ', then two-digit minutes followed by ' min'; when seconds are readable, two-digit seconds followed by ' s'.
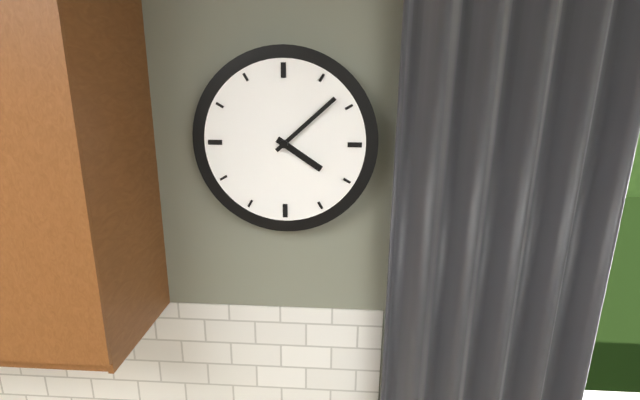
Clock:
4 h 08 min
